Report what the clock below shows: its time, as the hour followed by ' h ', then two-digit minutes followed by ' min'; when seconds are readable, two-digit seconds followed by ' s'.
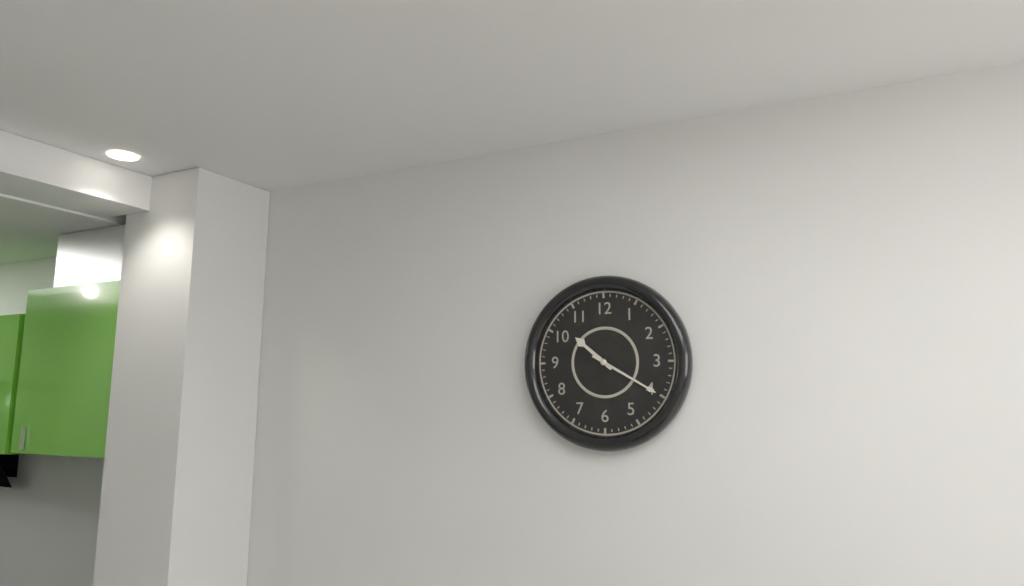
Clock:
10 h 20 min
